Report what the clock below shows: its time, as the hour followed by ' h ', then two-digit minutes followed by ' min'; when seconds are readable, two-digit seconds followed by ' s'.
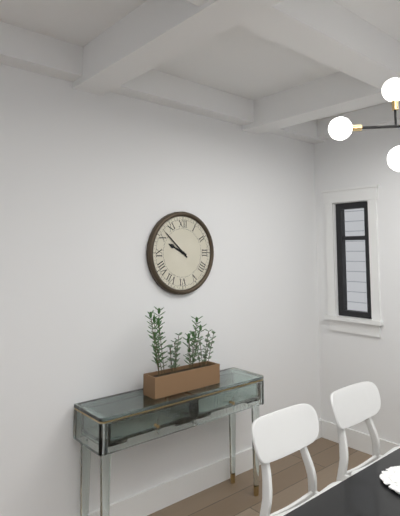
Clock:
9 h 52 min
